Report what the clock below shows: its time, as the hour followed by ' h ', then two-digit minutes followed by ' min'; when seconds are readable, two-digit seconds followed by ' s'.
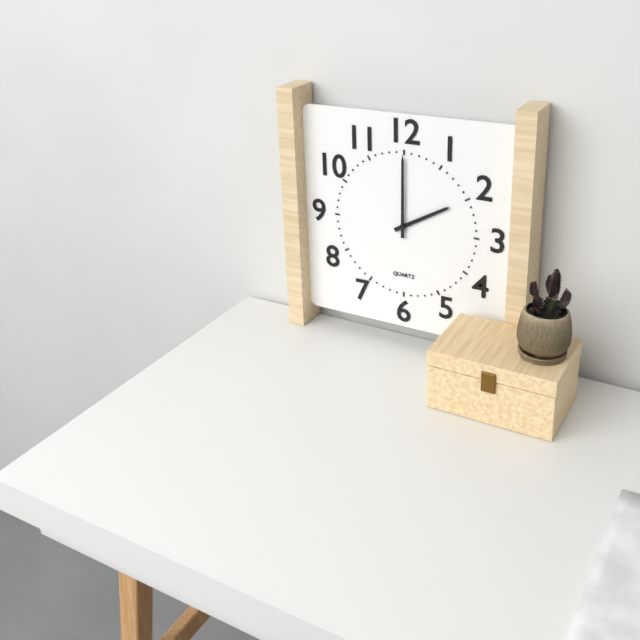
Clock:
2 h 00 min
